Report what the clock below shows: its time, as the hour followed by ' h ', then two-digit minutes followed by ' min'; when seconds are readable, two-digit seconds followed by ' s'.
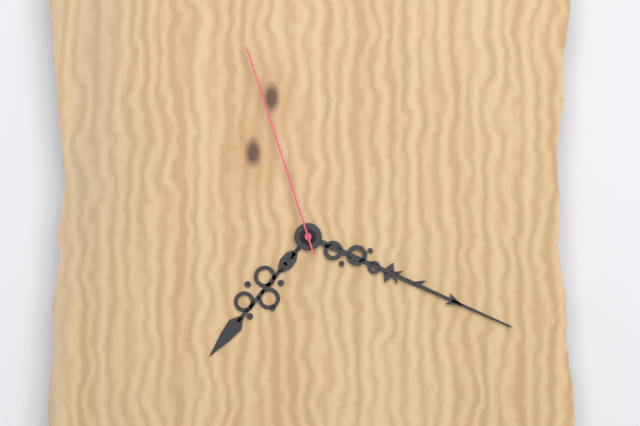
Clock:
7 h 19 min 57 s
